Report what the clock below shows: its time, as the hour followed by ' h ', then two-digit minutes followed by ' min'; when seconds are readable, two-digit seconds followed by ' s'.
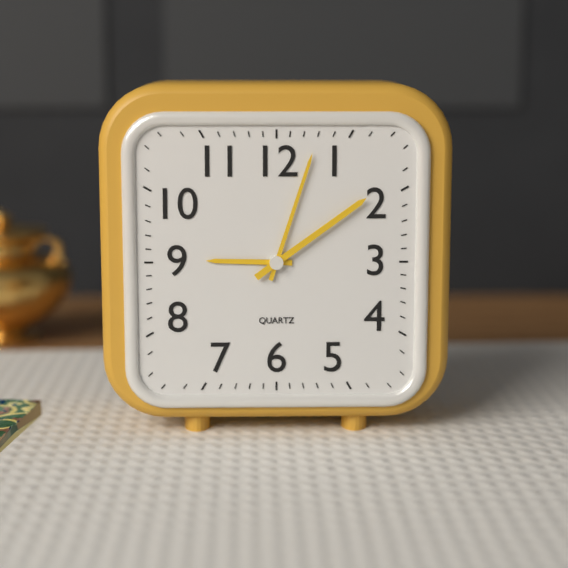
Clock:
9 h 03 min 09 s
